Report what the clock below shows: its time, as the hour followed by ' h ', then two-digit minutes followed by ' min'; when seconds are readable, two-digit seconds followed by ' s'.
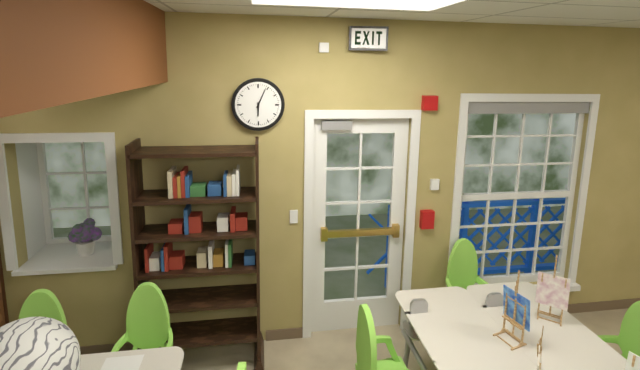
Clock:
6 h 04 min
